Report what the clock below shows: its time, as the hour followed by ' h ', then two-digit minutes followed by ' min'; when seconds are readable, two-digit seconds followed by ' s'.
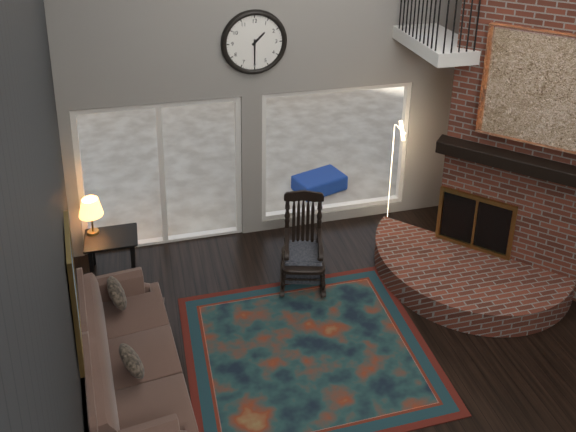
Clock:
1 h 30 min
